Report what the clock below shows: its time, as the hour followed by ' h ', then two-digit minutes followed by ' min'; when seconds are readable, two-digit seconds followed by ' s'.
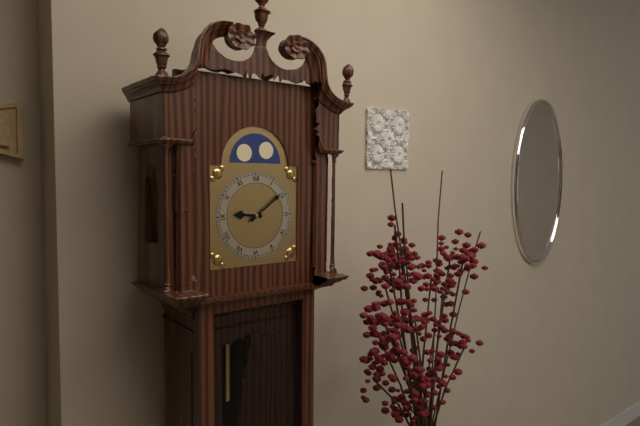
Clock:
9 h 09 min
